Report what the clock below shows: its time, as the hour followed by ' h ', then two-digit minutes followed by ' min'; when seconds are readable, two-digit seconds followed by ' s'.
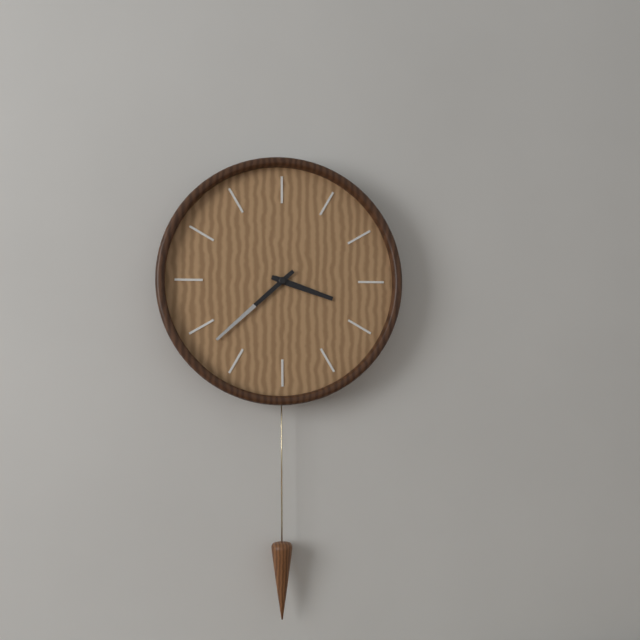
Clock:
3 h 38 min
